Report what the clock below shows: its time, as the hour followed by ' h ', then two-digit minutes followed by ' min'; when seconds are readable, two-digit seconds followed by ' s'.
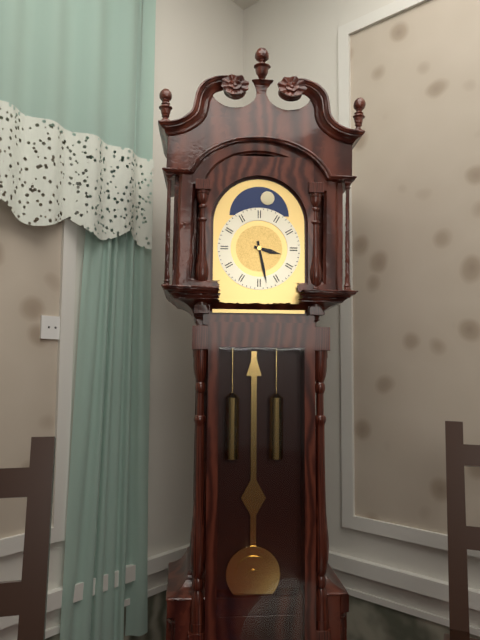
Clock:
3 h 28 min
